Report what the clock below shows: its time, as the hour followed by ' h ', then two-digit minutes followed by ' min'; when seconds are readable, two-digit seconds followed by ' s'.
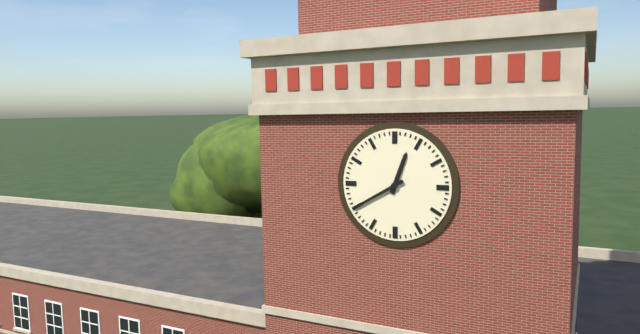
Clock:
12 h 40 min
